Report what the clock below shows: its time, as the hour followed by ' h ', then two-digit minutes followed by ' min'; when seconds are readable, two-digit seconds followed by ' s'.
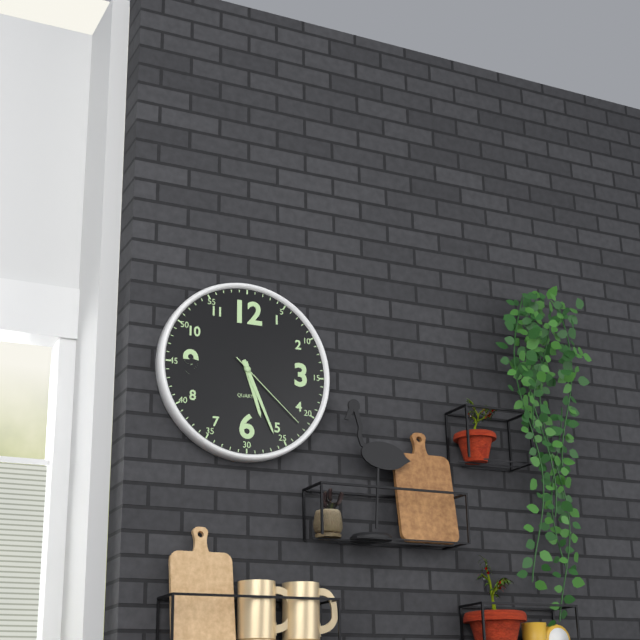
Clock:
5 h 26 min 22 s
